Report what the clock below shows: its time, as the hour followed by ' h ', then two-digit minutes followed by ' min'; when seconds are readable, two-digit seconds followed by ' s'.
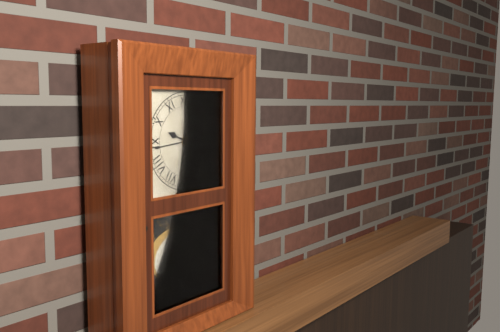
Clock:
9 h 44 min
